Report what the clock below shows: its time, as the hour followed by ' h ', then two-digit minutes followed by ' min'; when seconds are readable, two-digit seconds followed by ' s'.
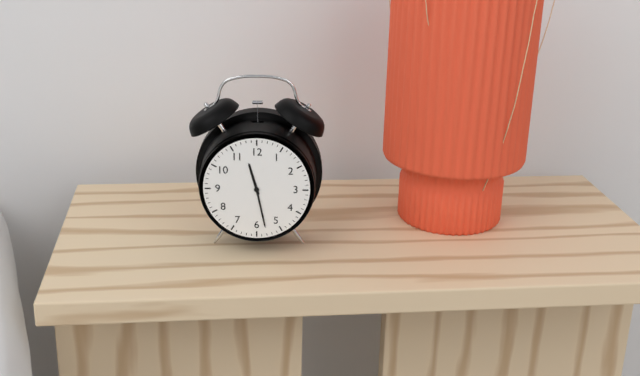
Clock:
11 h 28 min
